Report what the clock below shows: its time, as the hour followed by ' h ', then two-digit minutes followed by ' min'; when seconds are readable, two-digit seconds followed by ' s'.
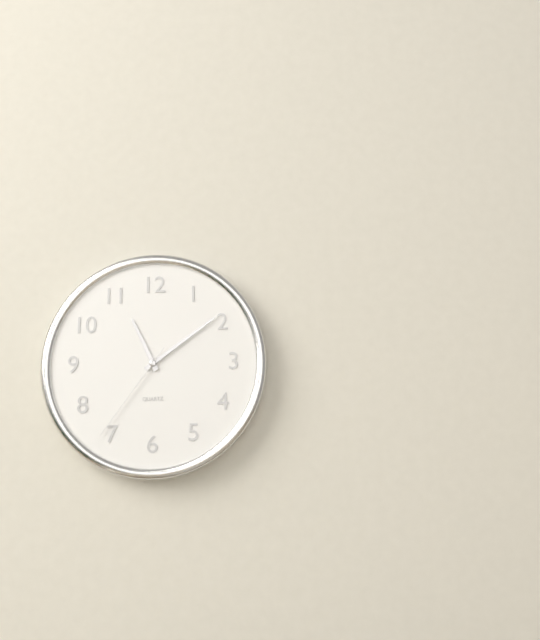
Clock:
11 h 09 min 36 s
